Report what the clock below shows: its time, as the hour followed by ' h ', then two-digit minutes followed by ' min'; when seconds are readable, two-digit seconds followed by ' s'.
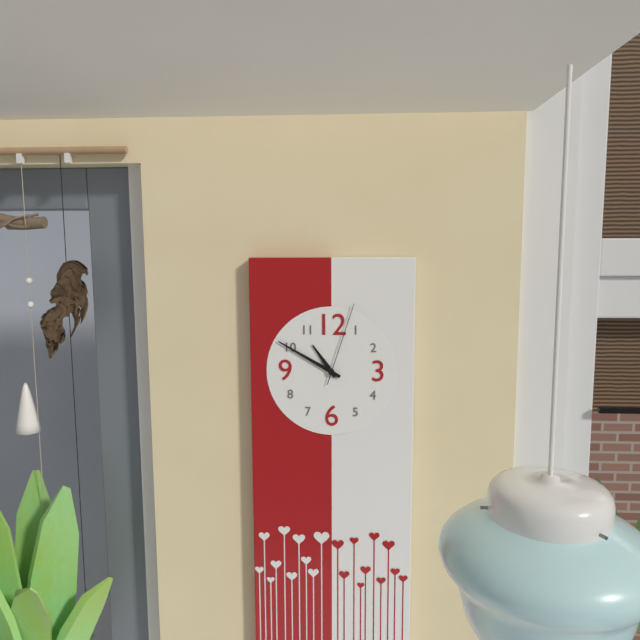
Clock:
10 h 50 min 03 s
